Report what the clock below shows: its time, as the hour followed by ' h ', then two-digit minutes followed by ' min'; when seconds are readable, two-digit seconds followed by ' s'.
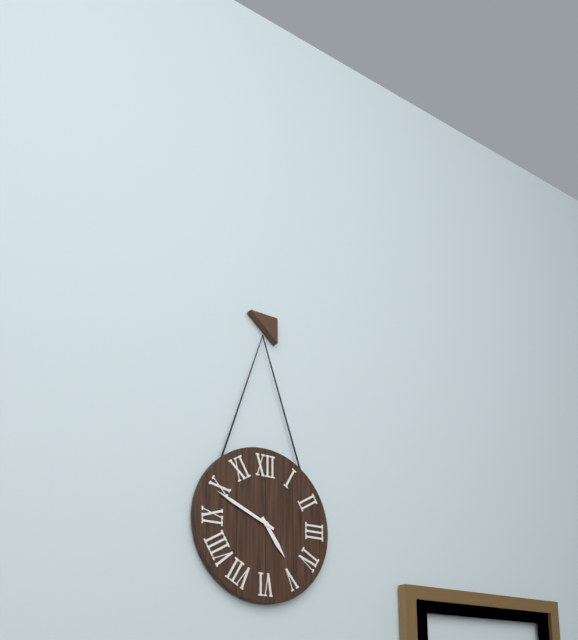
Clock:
4 h 49 min
